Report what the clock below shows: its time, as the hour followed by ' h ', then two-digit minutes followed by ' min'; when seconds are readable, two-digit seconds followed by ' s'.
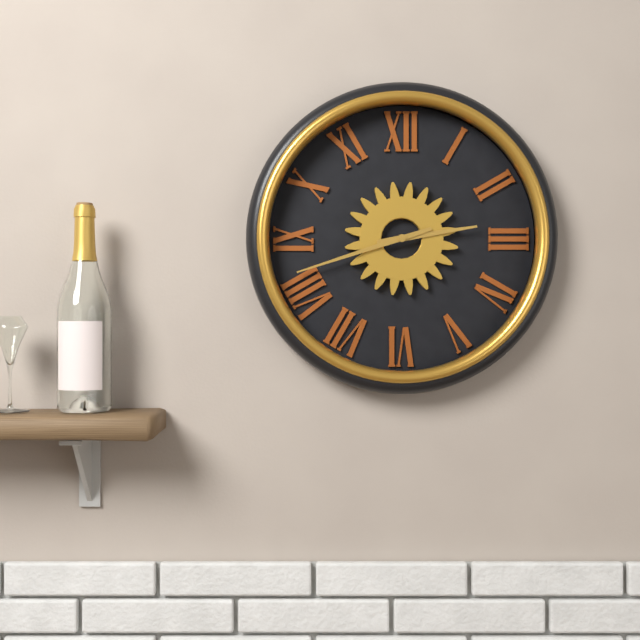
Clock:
2 h 42 min
